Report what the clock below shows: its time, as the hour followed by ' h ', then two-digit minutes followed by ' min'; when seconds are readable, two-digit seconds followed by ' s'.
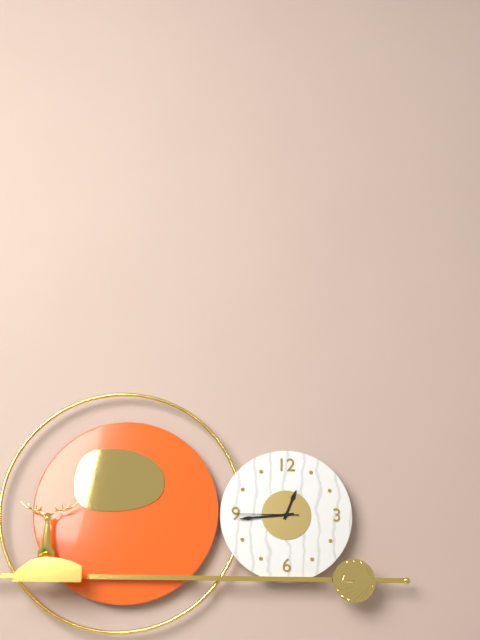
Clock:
12 h 44 min 45 s
